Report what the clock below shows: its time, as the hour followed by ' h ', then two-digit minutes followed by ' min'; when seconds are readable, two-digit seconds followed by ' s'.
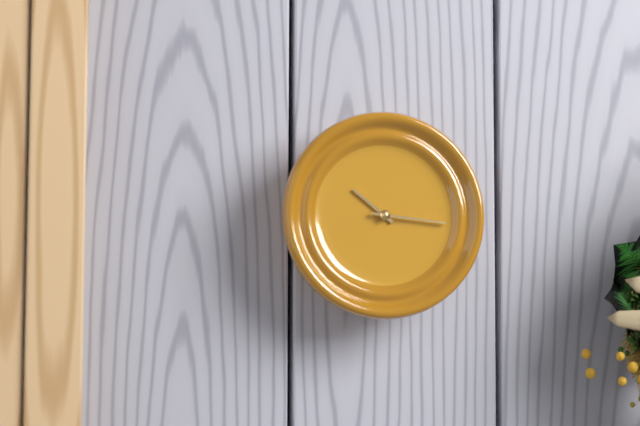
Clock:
10 h 16 min
